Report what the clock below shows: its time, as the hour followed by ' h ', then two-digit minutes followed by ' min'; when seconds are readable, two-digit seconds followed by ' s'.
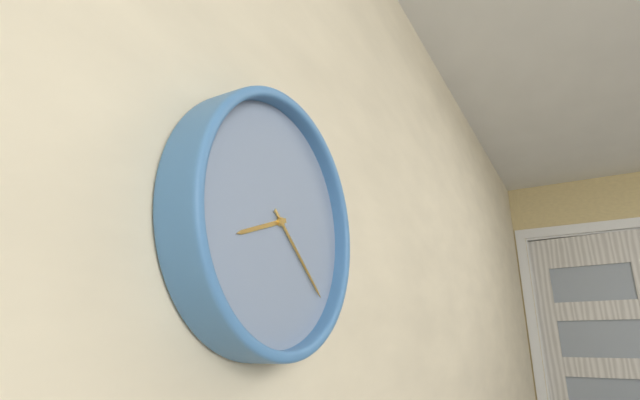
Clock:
8 h 22 min
